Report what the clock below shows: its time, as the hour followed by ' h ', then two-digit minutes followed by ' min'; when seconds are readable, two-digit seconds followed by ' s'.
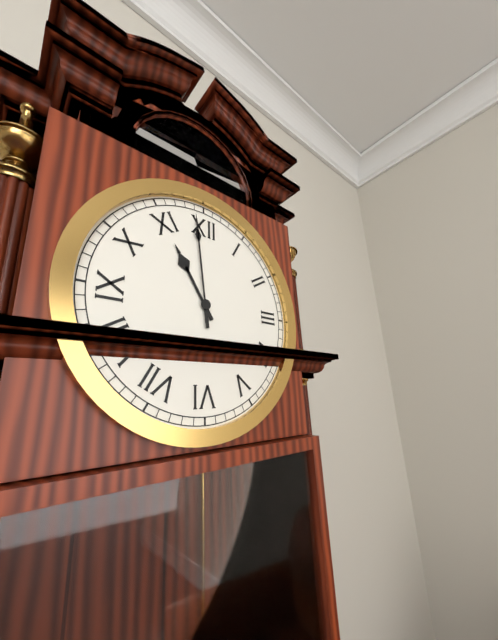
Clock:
10 h 59 min
